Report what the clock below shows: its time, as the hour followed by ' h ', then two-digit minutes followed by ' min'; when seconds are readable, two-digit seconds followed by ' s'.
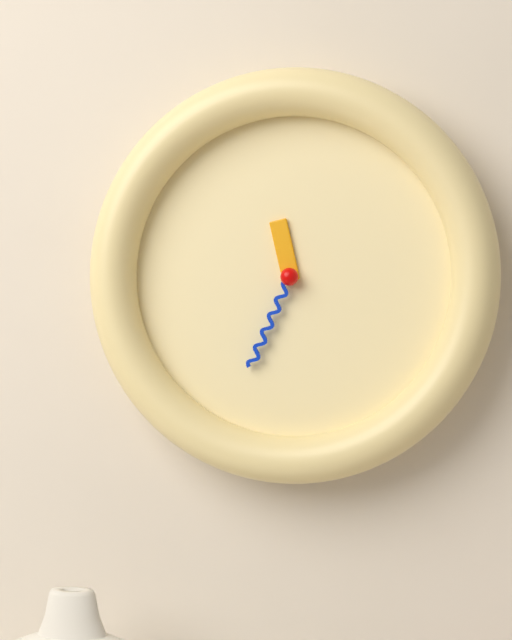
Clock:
11 h 34 min
